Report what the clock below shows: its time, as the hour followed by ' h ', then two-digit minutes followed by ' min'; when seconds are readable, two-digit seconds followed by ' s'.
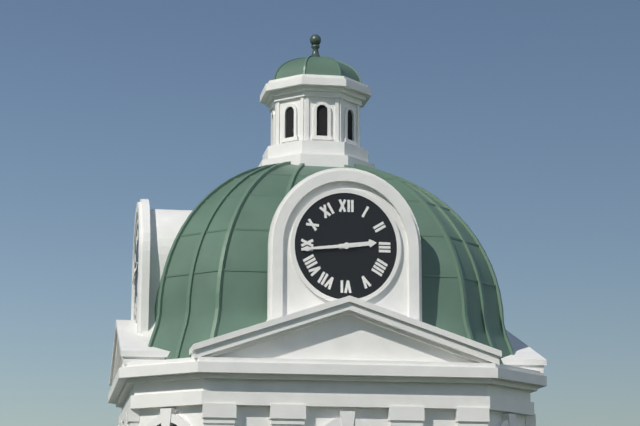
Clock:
2 h 44 min
